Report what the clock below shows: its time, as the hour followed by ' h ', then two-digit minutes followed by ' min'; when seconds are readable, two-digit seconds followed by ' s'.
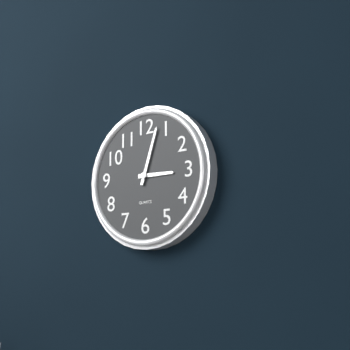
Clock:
3 h 03 min
